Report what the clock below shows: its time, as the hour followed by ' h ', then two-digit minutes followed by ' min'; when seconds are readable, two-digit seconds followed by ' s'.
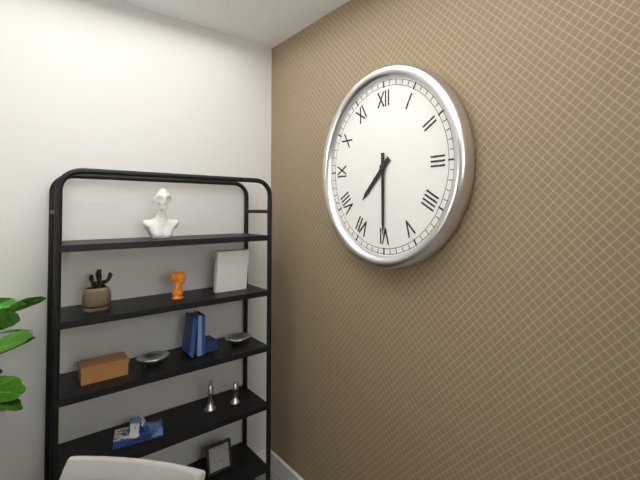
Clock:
7 h 30 min
